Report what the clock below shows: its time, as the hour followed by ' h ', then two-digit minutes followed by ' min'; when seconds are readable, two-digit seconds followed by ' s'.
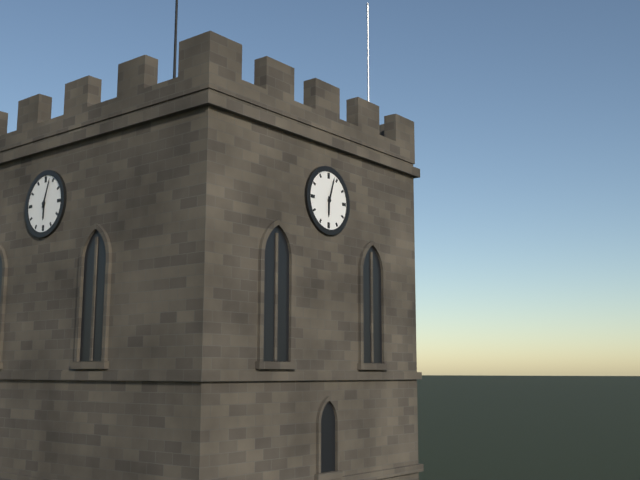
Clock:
6 h 03 min
